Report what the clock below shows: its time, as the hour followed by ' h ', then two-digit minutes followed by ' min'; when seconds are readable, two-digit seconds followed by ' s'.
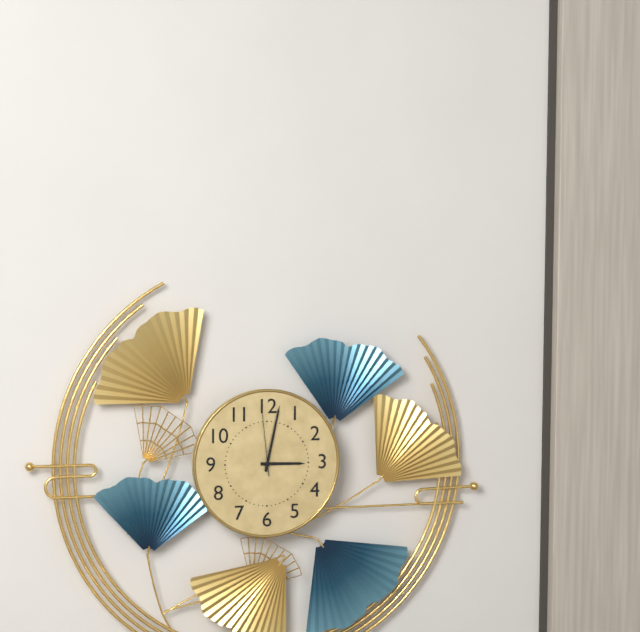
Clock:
3 h 02 min 59 s
